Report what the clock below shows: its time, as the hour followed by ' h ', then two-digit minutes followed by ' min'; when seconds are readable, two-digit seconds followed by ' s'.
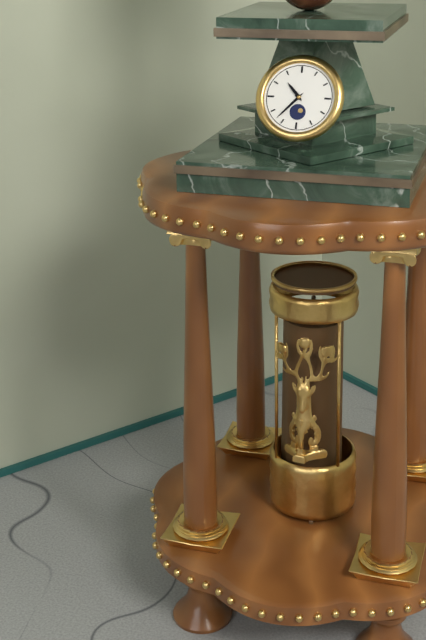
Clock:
10 h 37 min
